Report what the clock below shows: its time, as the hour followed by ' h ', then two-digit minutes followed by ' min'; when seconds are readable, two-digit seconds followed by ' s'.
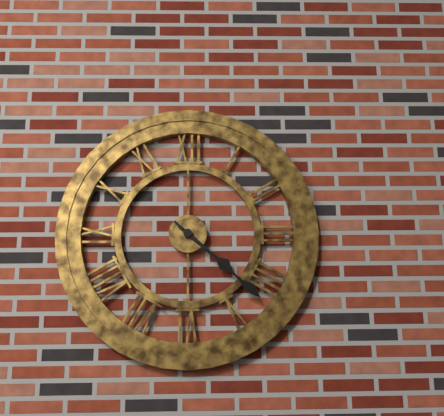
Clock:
4 h 22 min
